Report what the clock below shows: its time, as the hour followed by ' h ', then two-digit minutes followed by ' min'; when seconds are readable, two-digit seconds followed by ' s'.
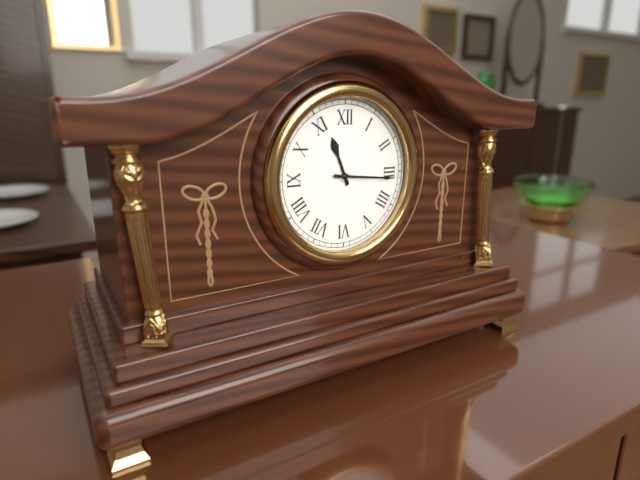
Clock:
11 h 16 min
